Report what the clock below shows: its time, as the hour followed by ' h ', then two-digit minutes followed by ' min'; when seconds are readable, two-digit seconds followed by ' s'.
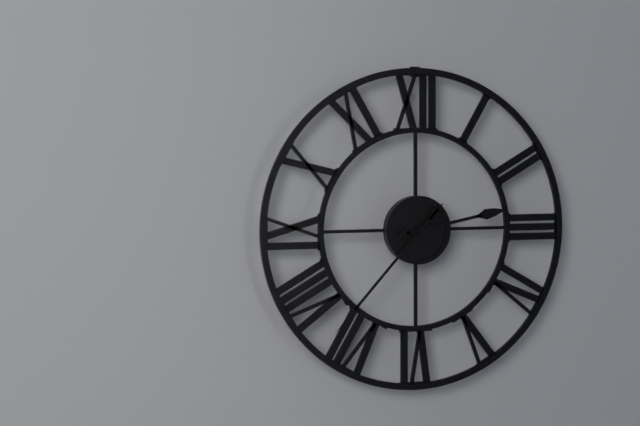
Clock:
2 h 37 min
